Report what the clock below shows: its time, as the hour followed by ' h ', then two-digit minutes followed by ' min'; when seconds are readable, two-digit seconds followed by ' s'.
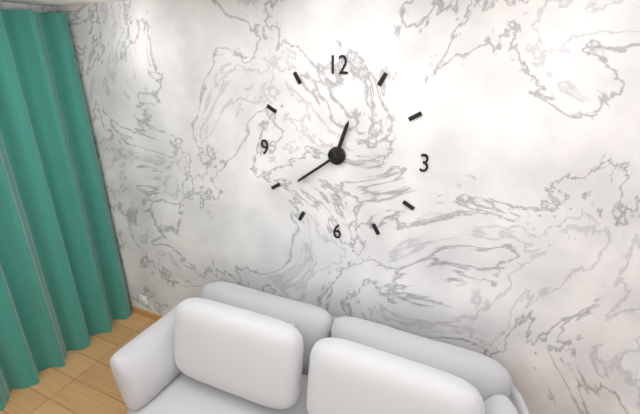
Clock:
12 h 39 min
